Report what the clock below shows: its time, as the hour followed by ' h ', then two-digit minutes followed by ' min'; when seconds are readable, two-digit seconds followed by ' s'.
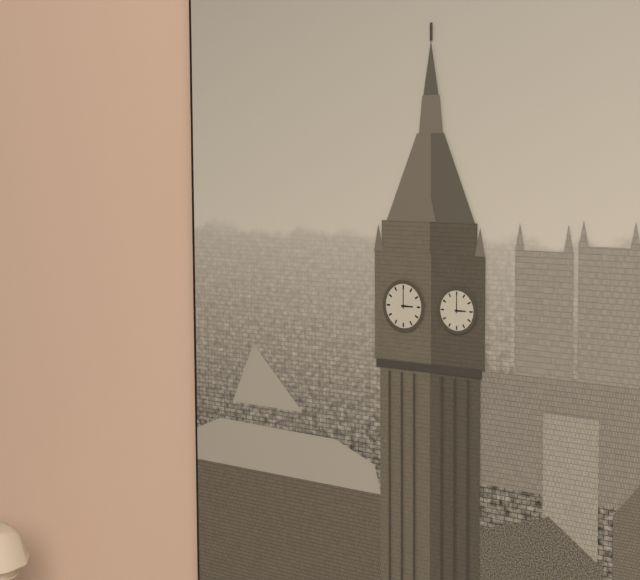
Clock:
3 h 00 min
